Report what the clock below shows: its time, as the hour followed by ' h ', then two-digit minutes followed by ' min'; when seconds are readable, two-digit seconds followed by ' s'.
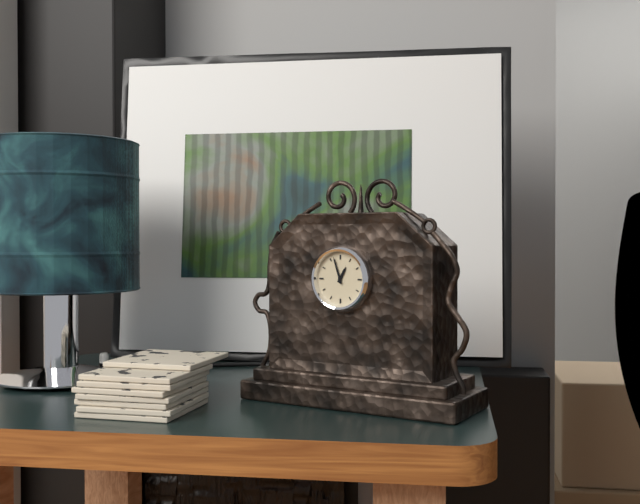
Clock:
12 h 57 min
